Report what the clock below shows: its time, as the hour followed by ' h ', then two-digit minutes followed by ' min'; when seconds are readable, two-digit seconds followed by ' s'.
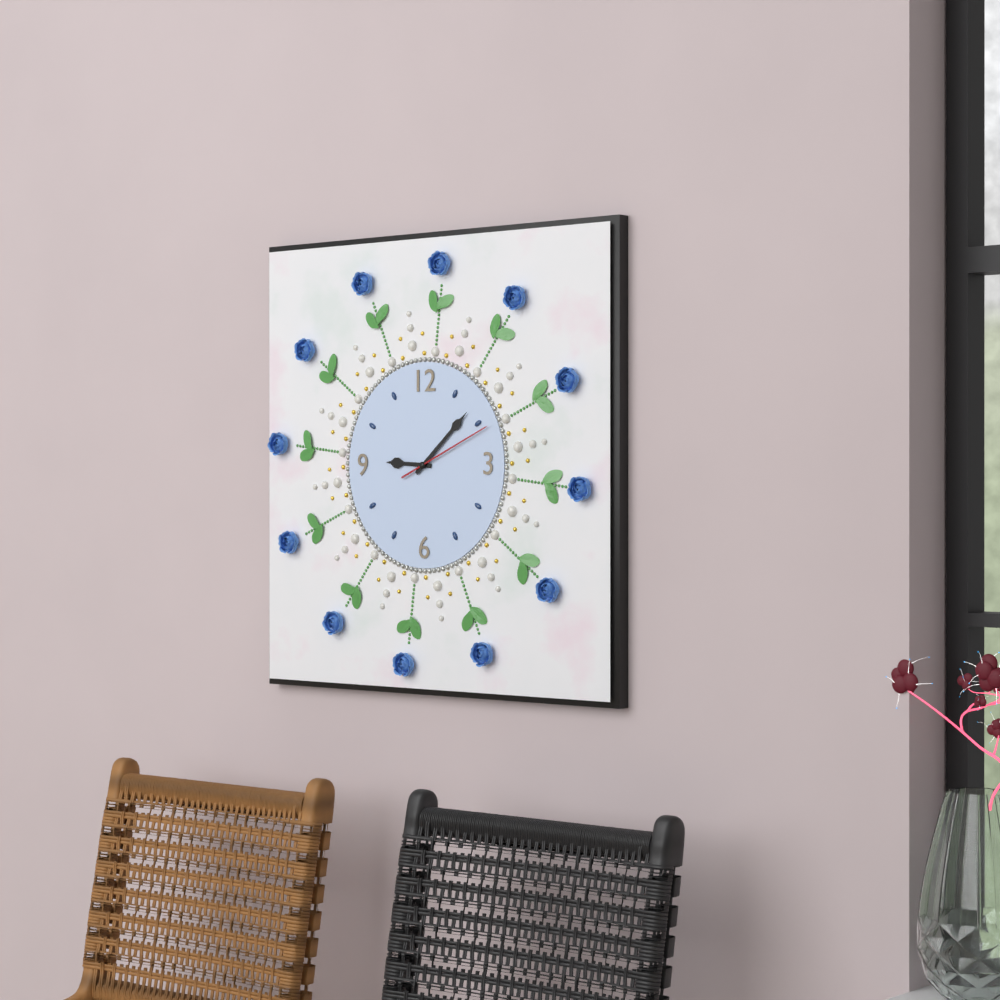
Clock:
9 h 08 min 11 s
